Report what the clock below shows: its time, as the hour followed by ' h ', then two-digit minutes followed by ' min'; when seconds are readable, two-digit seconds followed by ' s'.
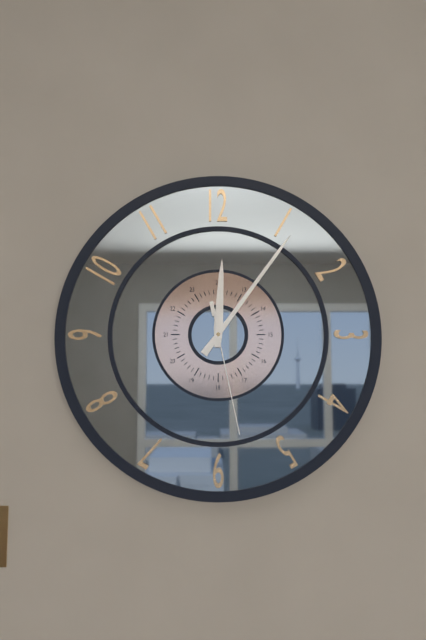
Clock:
12 h 06 min 28 s
